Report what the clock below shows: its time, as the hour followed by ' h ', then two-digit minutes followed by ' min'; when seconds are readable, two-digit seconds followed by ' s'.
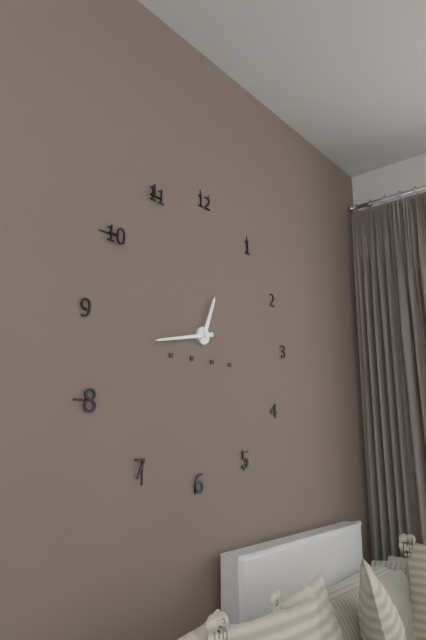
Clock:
12 h 43 min
